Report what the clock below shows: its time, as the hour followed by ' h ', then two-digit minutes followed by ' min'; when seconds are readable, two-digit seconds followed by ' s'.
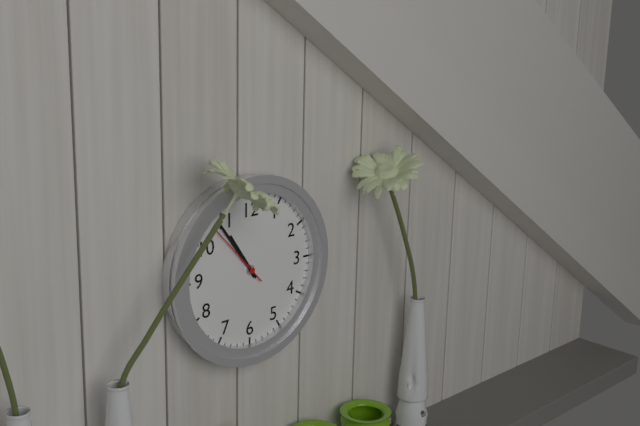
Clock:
10 h 54 min 53 s
